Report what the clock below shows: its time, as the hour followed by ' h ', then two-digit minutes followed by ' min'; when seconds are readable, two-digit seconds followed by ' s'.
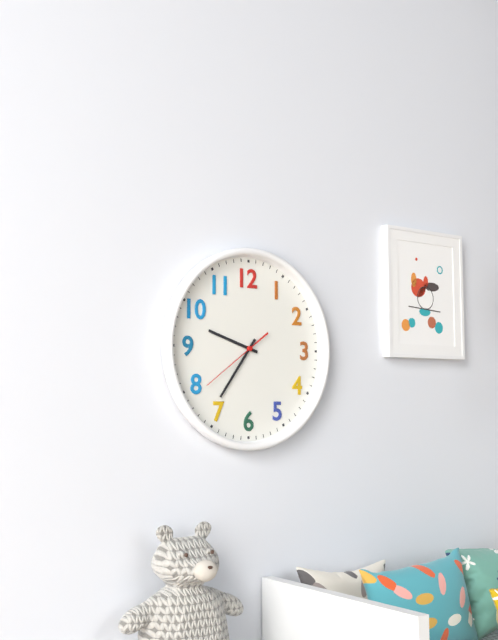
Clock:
9 h 36 min 39 s
